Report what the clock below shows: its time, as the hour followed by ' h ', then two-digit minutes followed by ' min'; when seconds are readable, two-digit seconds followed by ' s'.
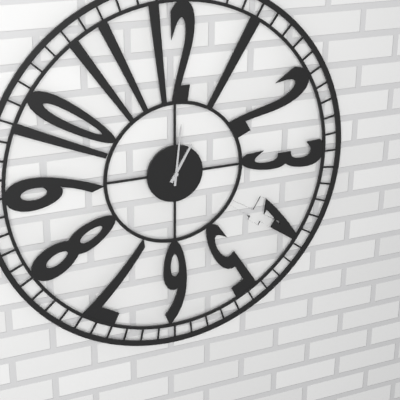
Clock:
1 h 01 min
